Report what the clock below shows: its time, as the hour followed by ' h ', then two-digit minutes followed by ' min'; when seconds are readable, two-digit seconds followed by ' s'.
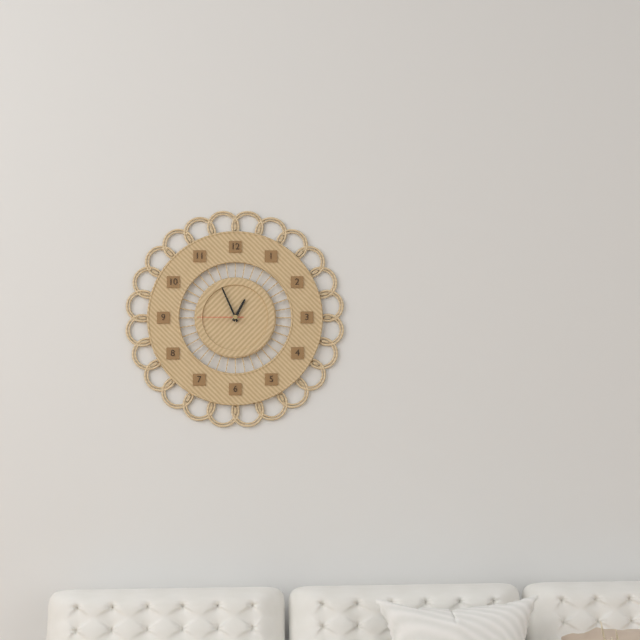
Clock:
12 h 56 min
